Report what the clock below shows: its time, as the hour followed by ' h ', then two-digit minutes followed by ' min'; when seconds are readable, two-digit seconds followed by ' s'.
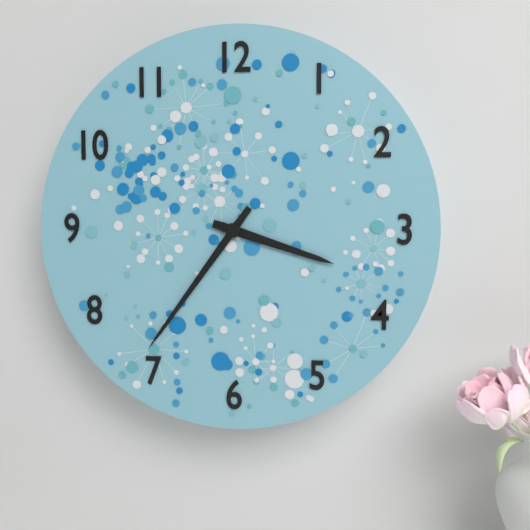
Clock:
3 h 36 min
